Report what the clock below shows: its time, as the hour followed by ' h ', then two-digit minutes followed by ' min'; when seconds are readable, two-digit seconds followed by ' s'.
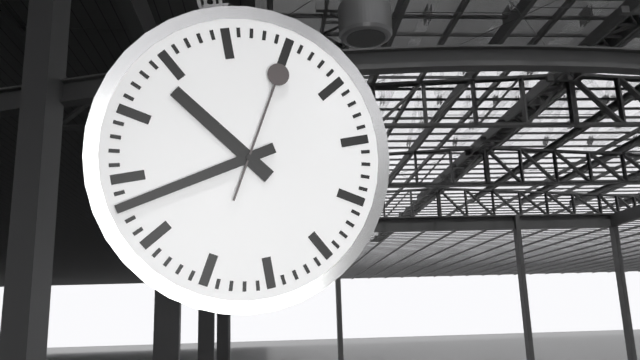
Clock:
10 h 43 min 05 s
